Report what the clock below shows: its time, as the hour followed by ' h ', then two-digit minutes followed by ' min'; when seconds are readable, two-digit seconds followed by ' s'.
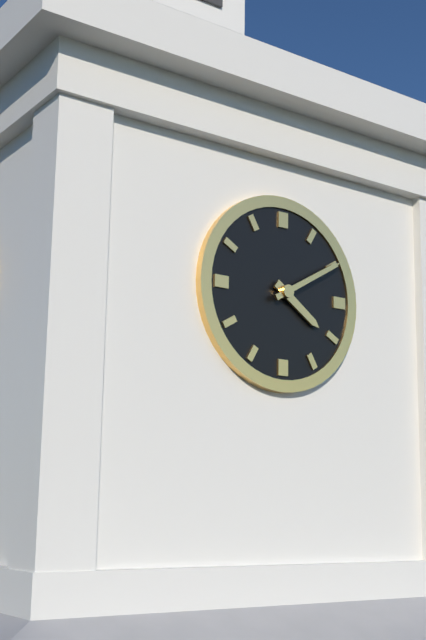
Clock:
4 h 10 min
